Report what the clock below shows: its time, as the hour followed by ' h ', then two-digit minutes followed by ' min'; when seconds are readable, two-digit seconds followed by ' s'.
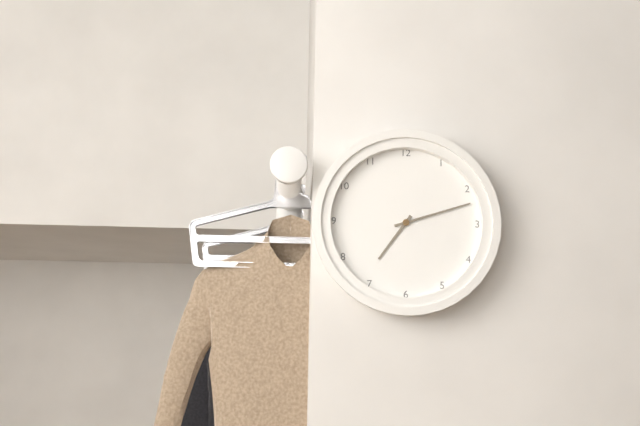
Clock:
7 h 12 min
